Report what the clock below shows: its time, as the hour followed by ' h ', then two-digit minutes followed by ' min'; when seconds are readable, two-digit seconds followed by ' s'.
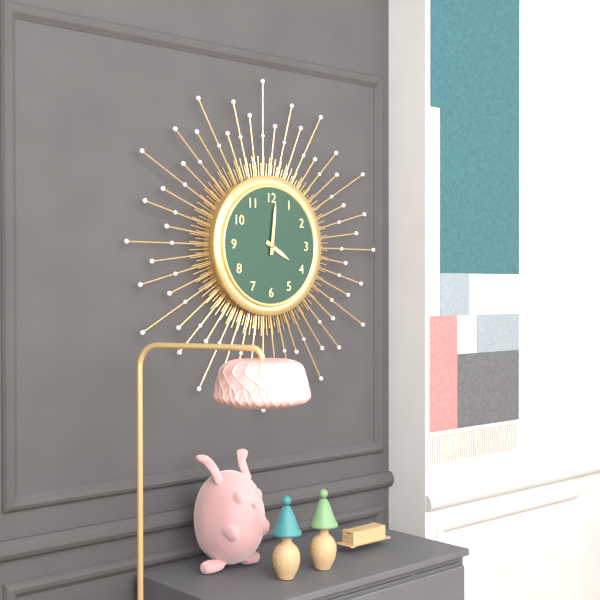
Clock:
4 h 01 min
